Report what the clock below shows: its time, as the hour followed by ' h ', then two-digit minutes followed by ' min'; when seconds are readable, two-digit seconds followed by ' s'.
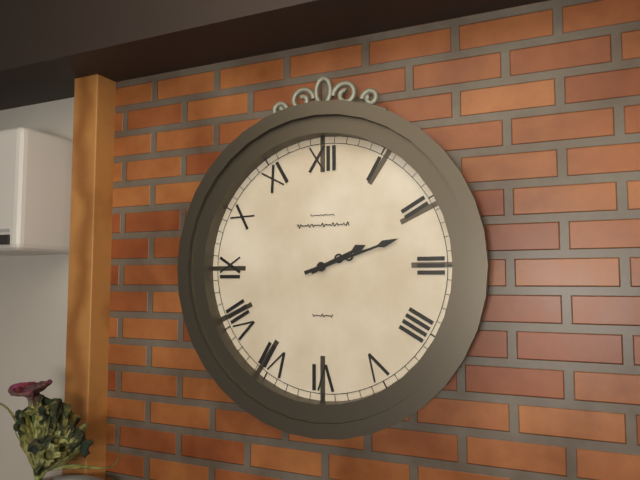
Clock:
2 h 12 min
